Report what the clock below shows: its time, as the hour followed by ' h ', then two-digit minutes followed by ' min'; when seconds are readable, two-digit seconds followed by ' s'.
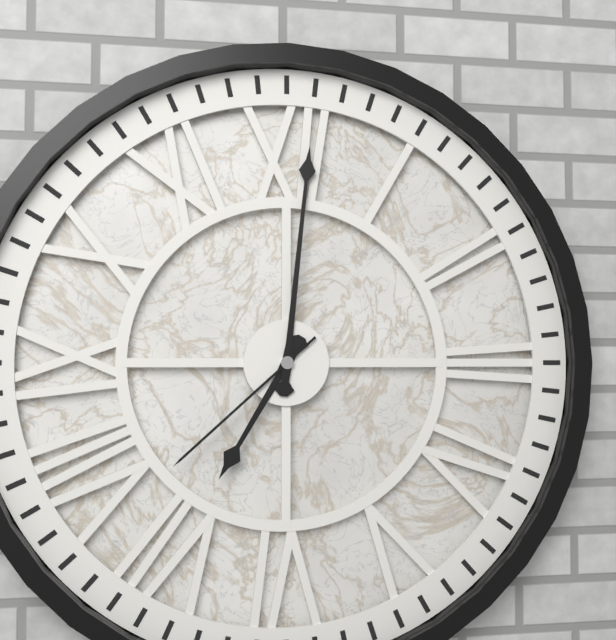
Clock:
7 h 01 min 38 s
